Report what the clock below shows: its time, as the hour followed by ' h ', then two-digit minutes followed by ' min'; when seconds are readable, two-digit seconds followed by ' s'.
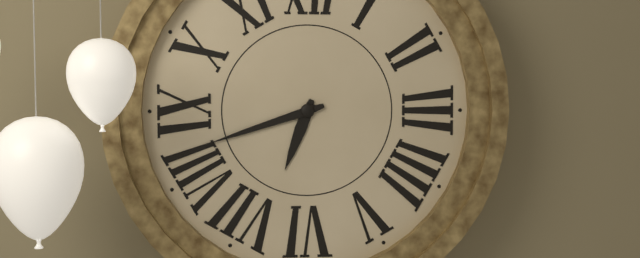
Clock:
6 h 42 min
